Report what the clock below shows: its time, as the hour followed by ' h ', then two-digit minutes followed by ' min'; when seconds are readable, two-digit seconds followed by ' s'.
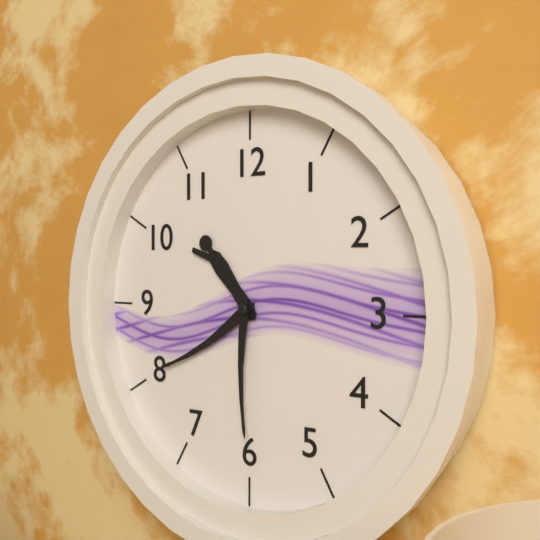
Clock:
10 h 40 min 30 s
